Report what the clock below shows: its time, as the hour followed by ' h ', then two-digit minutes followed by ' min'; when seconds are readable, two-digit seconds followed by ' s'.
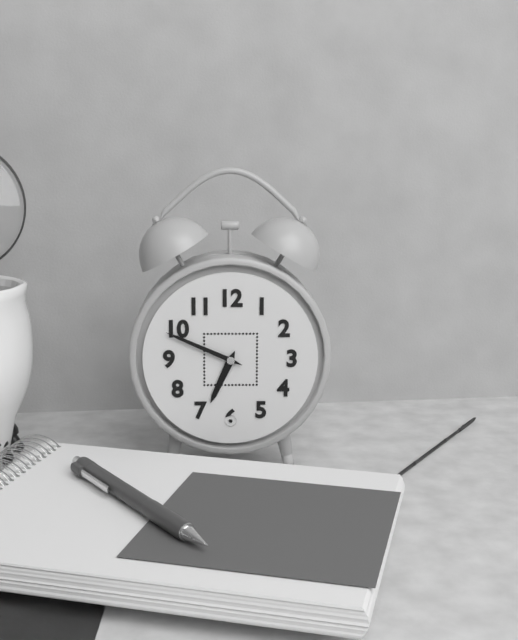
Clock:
6 h 49 min
